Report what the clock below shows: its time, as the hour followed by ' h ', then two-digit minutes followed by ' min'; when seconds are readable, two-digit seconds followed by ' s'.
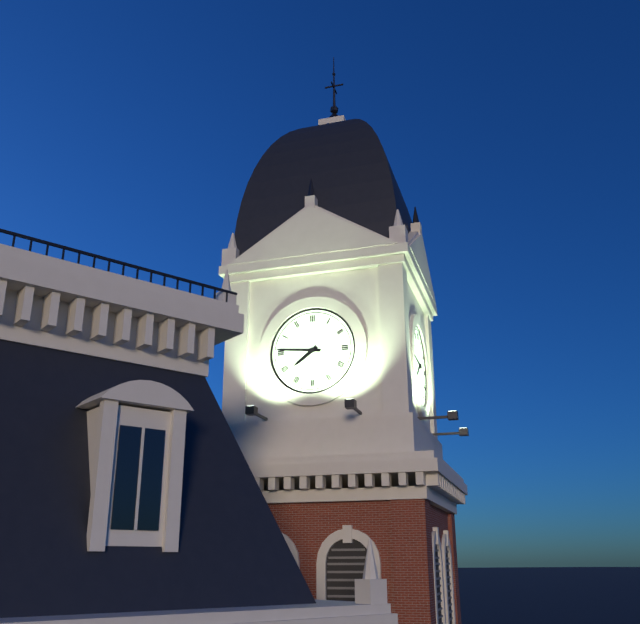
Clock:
7 h 46 min
